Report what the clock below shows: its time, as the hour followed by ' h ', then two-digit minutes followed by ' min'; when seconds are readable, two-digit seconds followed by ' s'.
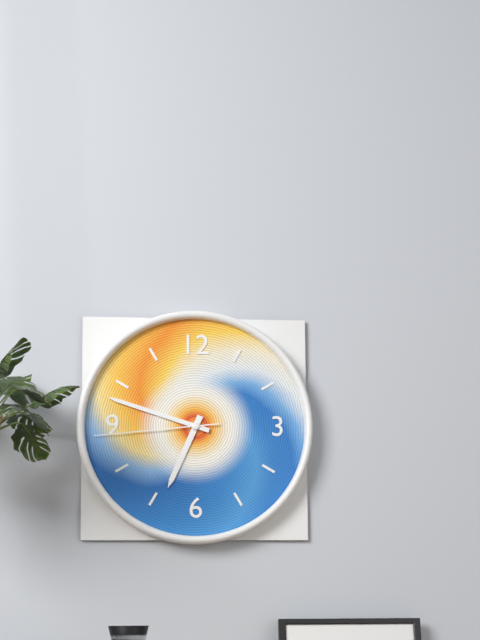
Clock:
6 h 48 min 44 s
